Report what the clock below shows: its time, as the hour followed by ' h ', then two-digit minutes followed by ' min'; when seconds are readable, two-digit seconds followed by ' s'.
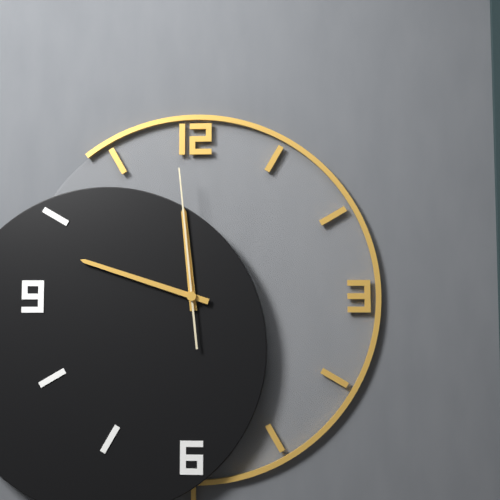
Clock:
11 h 48 min 59 s
